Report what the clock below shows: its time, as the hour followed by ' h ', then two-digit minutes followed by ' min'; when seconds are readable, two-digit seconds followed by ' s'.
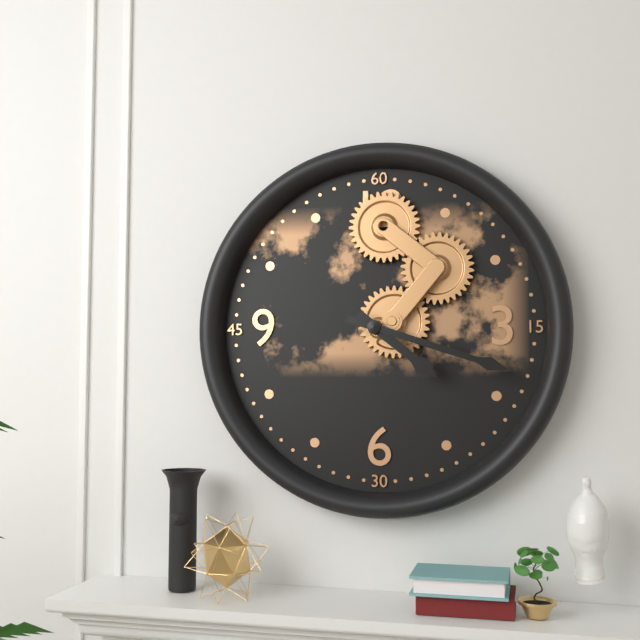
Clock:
4 h 18 min
